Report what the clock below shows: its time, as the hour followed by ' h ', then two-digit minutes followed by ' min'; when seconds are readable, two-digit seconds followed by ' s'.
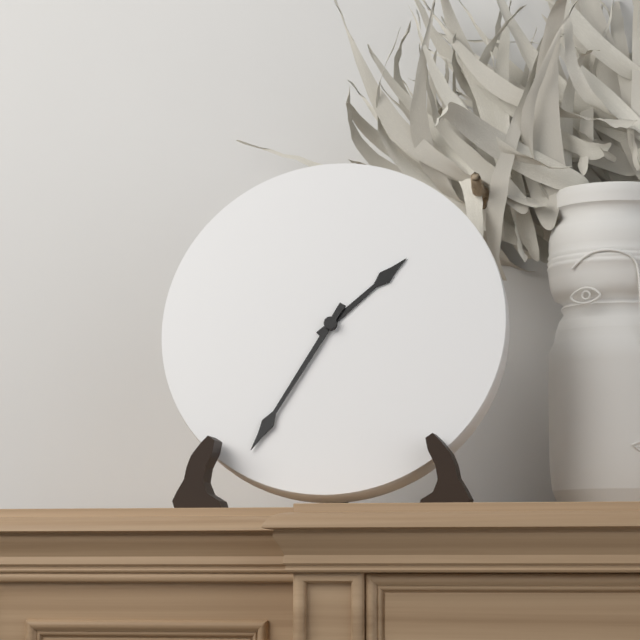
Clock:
1 h 35 min
